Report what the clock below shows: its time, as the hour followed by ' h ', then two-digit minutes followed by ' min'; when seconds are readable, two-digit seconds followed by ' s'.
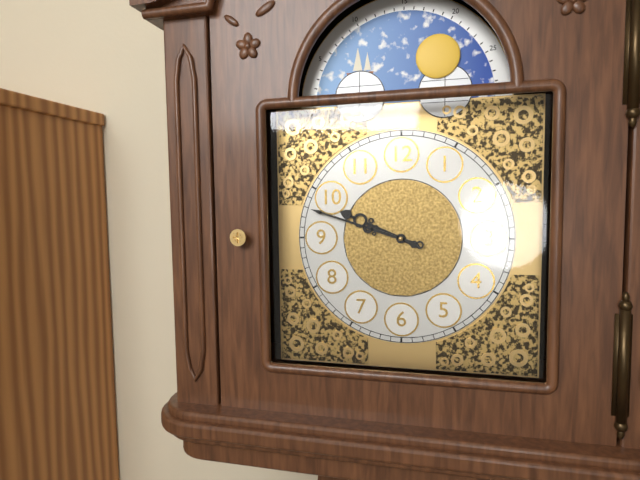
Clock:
9 h 48 min
